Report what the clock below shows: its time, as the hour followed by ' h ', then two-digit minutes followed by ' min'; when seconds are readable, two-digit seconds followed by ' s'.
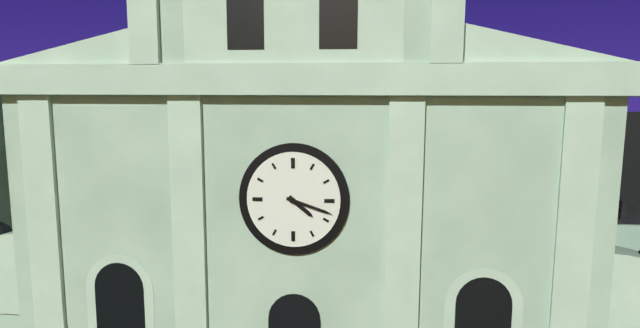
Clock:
4 h 18 min
